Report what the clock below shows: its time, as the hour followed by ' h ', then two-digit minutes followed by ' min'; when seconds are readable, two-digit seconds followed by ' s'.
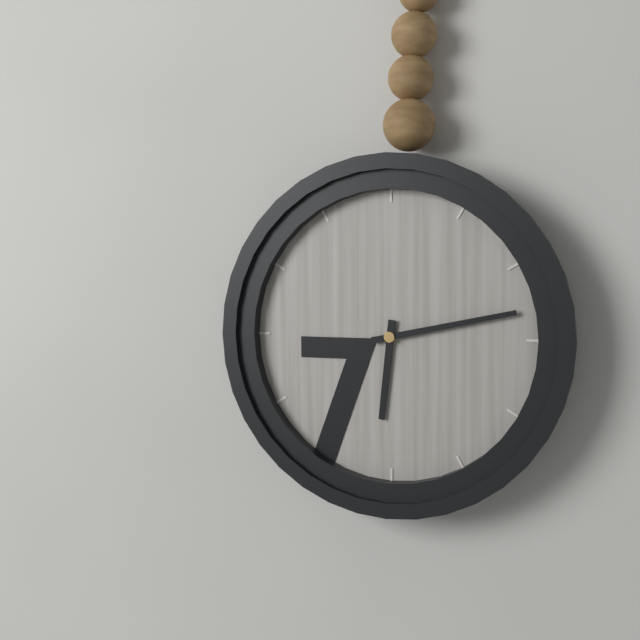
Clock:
6 h 13 min
